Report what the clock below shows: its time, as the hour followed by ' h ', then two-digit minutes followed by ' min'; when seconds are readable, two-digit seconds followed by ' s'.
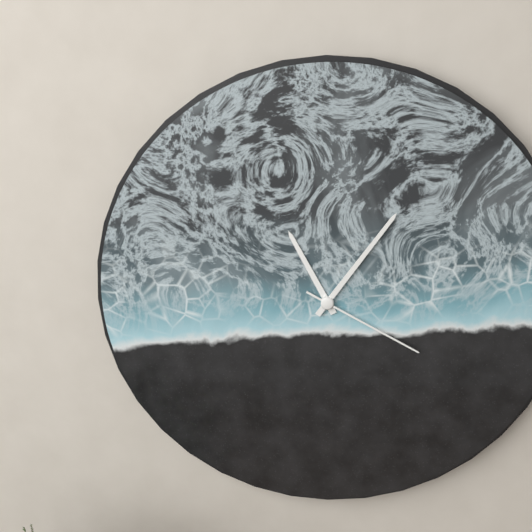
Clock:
11 h 06 min 20 s
